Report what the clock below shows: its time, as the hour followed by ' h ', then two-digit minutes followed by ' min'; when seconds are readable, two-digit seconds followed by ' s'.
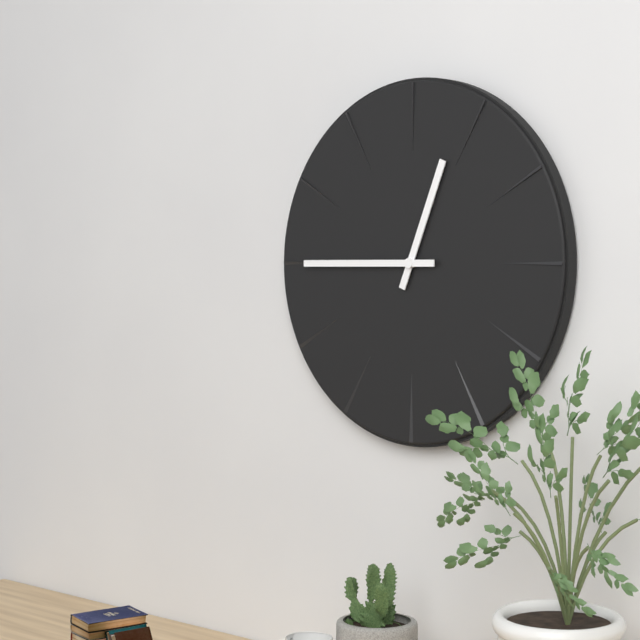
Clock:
12 h 45 min
